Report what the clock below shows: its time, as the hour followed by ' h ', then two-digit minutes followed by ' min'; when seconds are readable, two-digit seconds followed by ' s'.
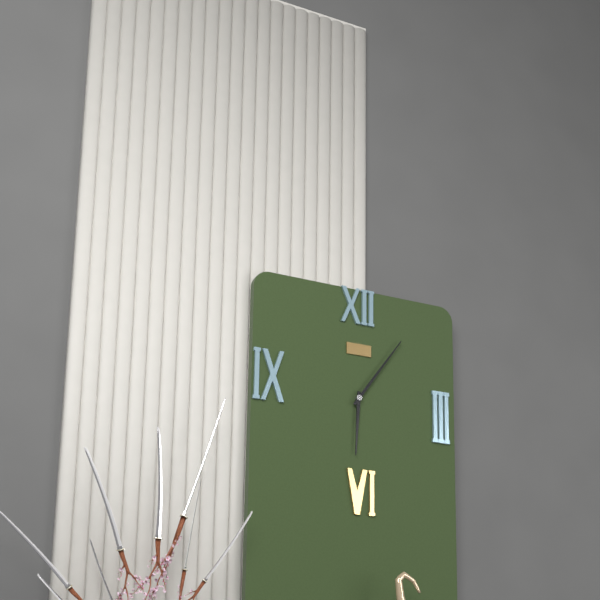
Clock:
6 h 06 min
